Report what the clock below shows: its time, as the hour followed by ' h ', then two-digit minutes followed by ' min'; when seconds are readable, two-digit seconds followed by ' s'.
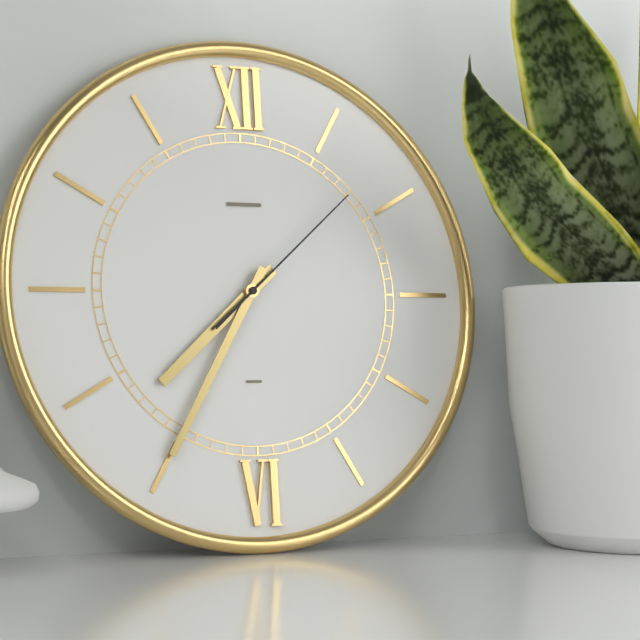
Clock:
7 h 35 min 08 s
